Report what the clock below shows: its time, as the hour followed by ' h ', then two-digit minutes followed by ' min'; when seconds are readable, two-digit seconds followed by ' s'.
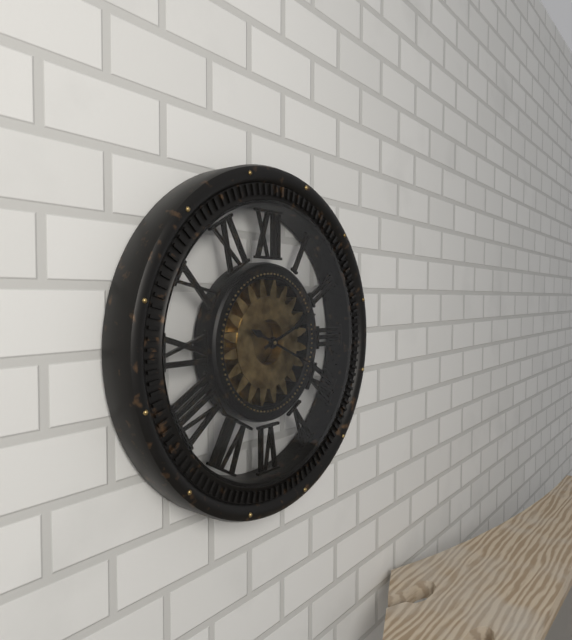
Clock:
2 h 19 min
